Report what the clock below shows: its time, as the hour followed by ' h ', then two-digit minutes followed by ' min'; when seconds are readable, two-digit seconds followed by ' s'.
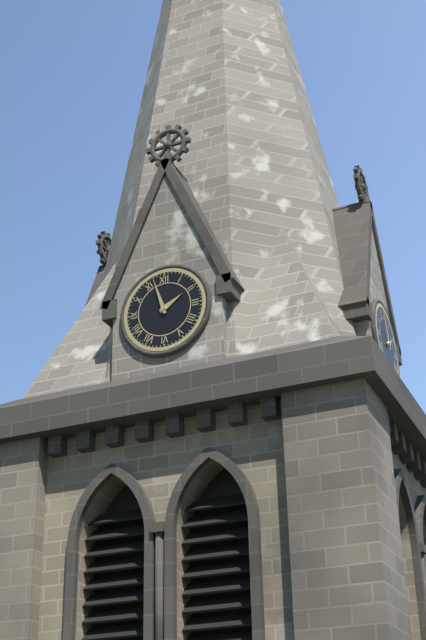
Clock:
1 h 57 min
